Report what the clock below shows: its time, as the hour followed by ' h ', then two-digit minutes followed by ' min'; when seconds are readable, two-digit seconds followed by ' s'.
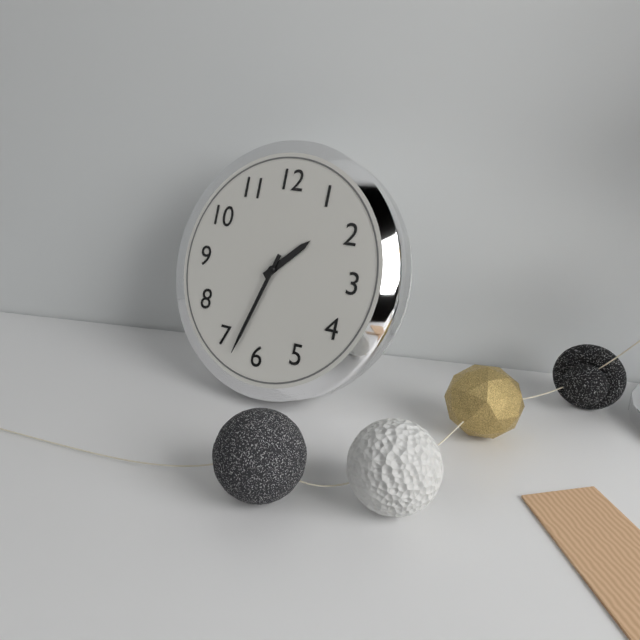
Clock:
1 h 33 min
